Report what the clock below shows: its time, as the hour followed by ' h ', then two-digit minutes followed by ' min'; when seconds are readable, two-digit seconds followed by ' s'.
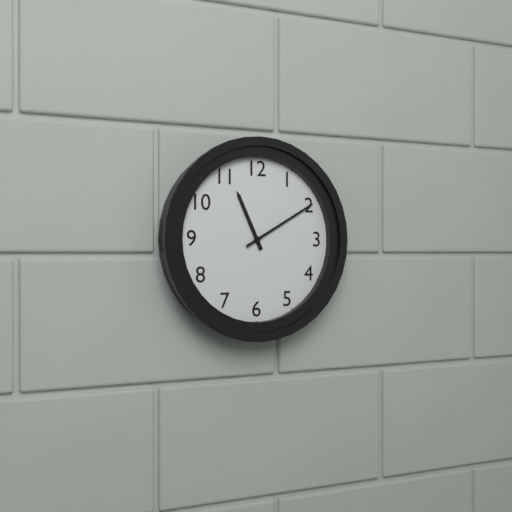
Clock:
11 h 10 min
